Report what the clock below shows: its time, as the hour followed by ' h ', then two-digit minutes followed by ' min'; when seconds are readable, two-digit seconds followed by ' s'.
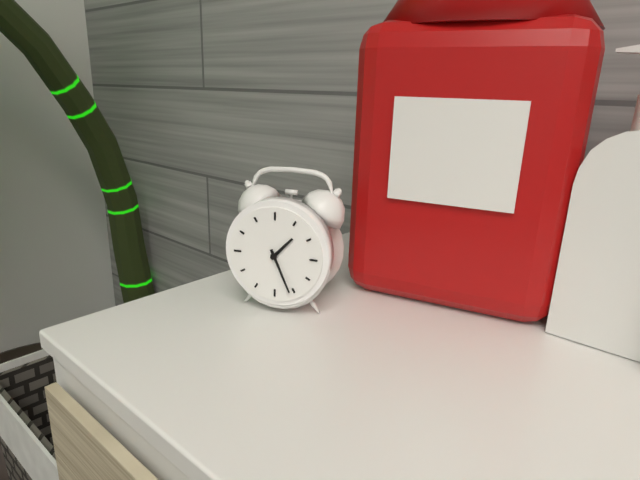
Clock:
1 h 26 min
